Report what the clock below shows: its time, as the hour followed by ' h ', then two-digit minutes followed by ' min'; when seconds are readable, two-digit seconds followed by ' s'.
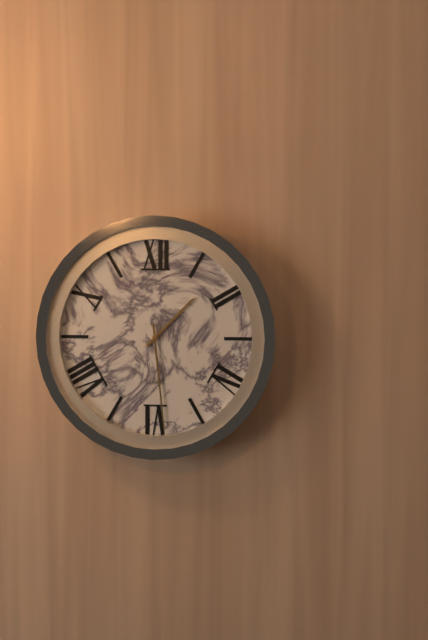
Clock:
1 h 29 min
